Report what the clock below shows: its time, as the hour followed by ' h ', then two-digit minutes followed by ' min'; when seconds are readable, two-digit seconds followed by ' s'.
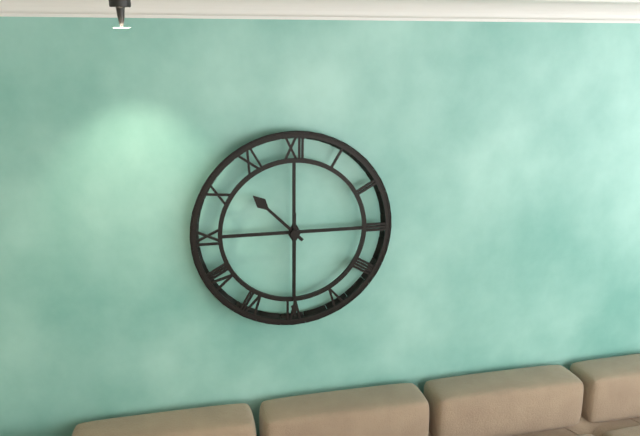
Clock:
10 h 30 min
